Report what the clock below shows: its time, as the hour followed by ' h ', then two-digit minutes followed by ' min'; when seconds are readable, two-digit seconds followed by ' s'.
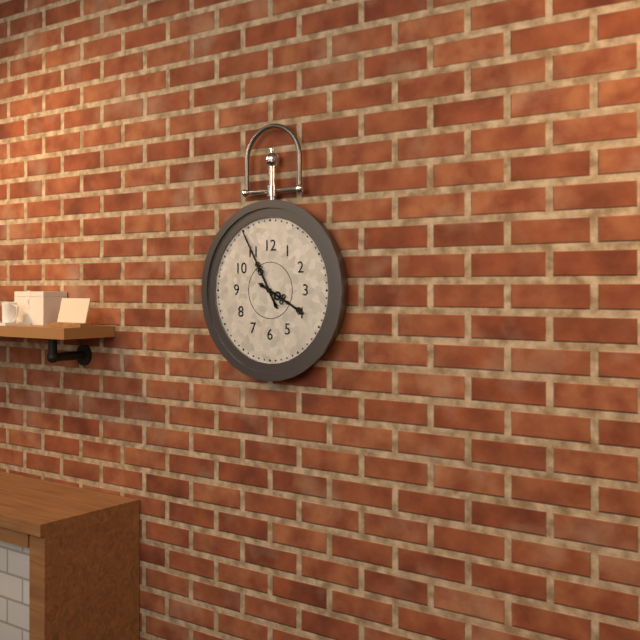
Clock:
3 h 55 min
